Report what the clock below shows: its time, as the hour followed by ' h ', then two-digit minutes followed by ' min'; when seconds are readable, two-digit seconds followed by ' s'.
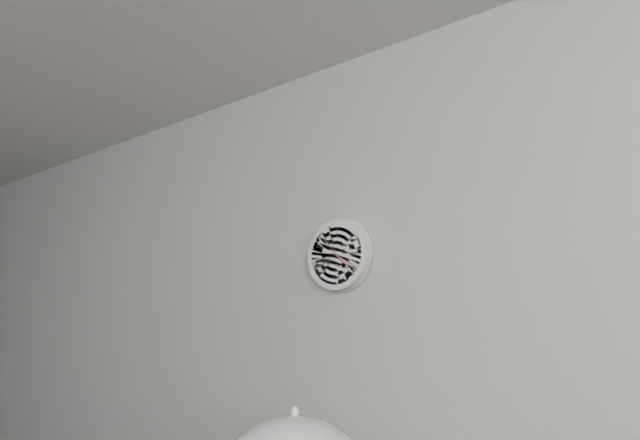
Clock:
4 h 21 min
